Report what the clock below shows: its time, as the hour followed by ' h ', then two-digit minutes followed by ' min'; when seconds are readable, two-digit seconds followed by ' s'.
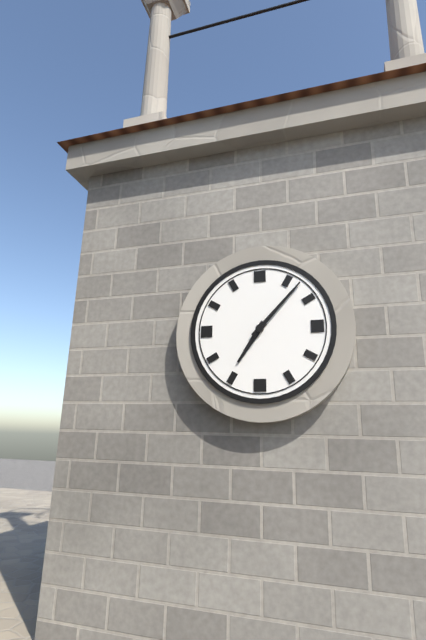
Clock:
7 h 07 min
